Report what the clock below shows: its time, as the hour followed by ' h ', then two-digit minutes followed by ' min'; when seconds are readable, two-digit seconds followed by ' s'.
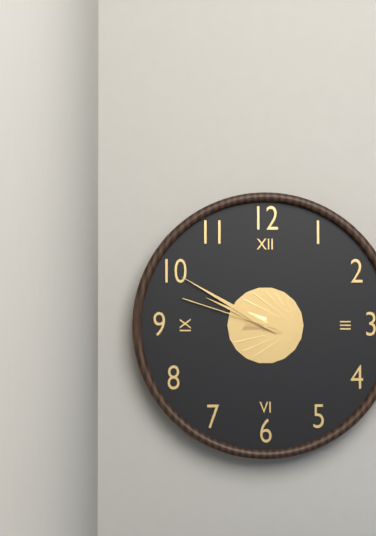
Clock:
9 h 50 min 48 s
